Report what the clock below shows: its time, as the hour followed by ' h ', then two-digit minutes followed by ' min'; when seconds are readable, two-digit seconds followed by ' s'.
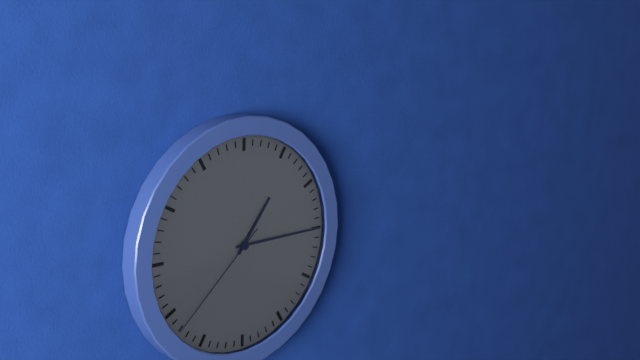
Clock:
1 h 15 min 38 s
